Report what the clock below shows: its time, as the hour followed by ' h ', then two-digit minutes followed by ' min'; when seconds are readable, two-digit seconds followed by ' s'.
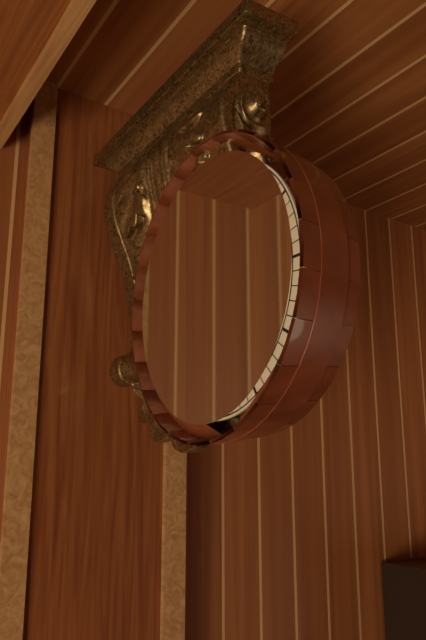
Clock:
12 h 07 min
